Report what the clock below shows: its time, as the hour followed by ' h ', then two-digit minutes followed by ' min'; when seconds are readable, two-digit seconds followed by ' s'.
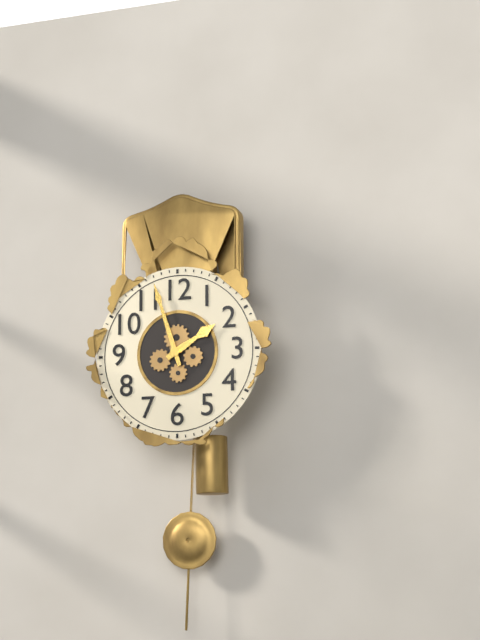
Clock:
1 h 57 min
